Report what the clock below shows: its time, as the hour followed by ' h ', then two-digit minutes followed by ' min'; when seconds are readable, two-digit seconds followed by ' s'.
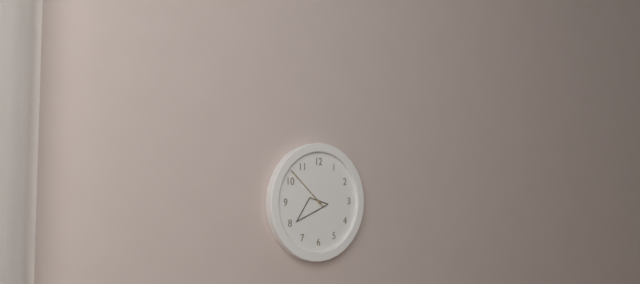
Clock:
7 h 52 min
